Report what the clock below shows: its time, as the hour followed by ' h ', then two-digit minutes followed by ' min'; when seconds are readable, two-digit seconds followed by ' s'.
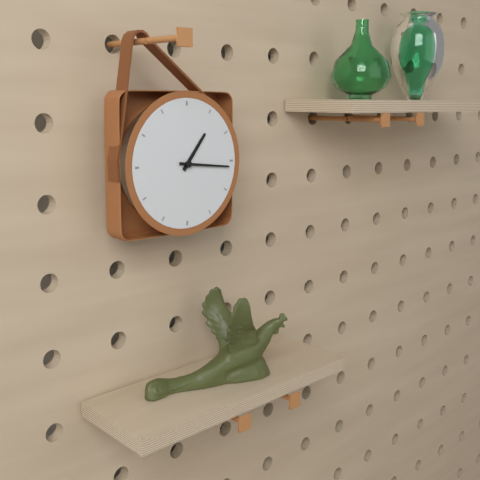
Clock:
1 h 16 min
